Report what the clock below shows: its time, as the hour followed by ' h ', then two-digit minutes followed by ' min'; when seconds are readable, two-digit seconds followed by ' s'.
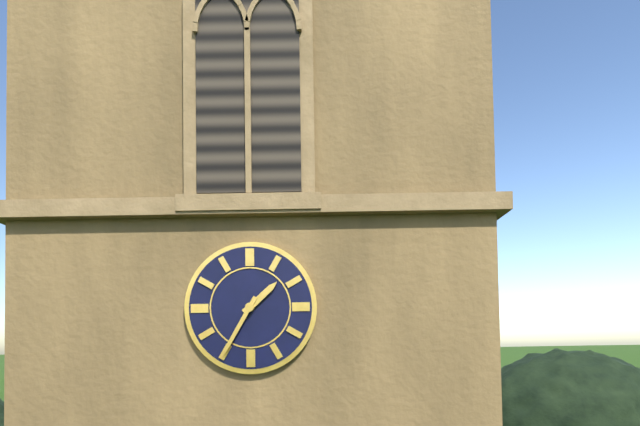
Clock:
1 h 35 min
